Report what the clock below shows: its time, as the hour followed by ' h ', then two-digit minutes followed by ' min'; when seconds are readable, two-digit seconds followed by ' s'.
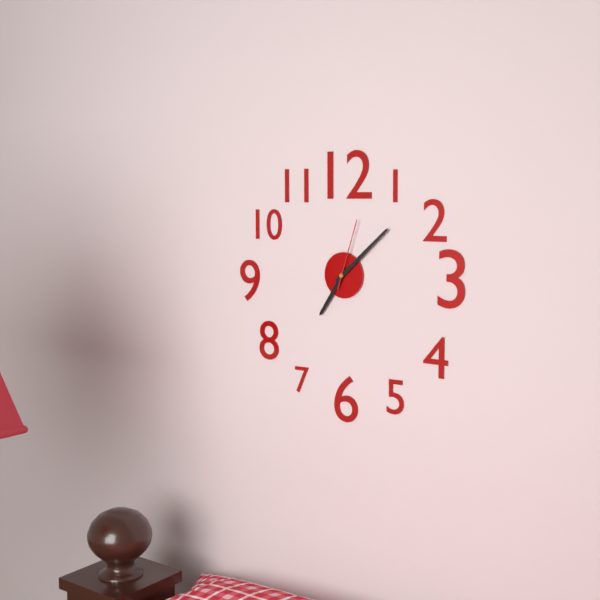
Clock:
7 h 08 min 03 s
